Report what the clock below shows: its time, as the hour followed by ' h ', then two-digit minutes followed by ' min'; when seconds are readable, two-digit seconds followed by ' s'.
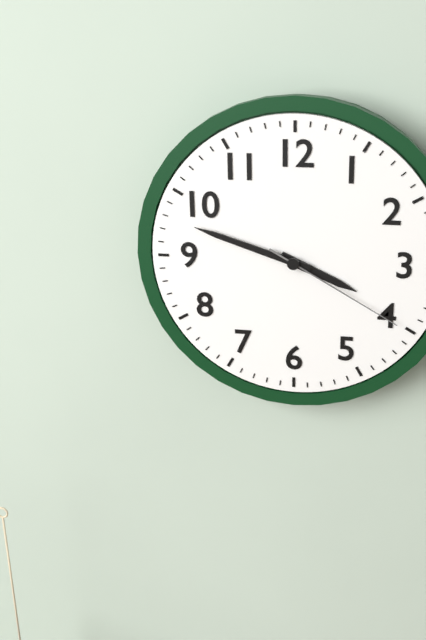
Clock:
3 h 48 min 20 s
